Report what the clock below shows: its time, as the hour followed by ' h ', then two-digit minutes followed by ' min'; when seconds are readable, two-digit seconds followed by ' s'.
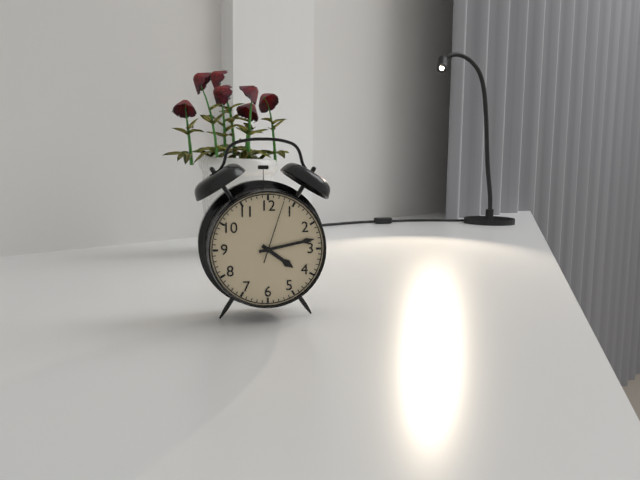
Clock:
4 h 13 min 03 s
